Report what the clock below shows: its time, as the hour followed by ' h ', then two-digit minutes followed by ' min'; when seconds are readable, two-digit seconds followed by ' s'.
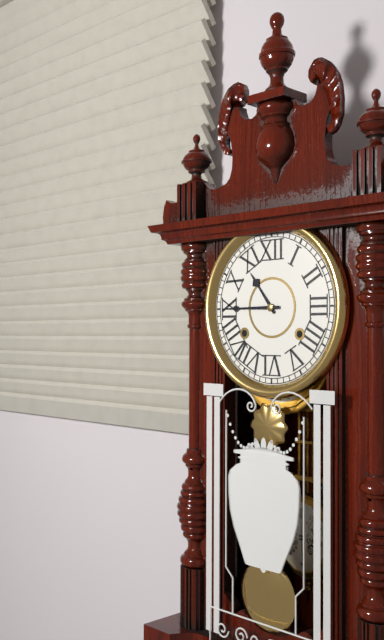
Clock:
10 h 45 min
